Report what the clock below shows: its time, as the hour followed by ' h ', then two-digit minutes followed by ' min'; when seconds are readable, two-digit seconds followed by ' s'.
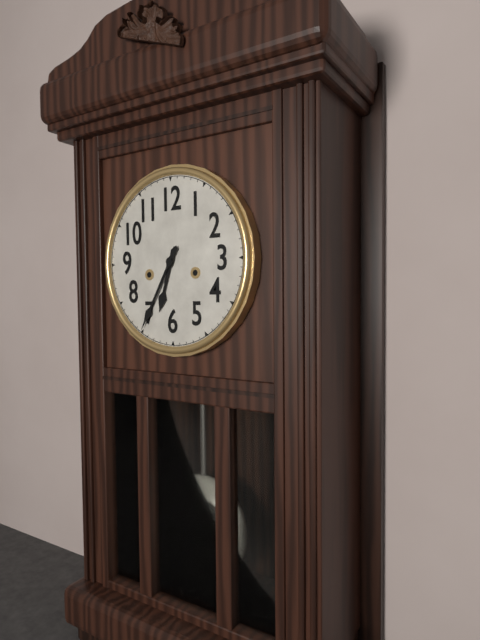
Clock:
6 h 35 min
